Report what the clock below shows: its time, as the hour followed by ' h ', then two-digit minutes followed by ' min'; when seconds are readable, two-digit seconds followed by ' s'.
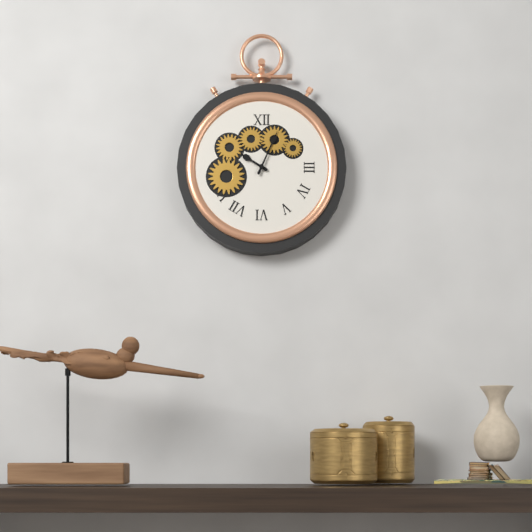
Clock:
10 h 04 min
